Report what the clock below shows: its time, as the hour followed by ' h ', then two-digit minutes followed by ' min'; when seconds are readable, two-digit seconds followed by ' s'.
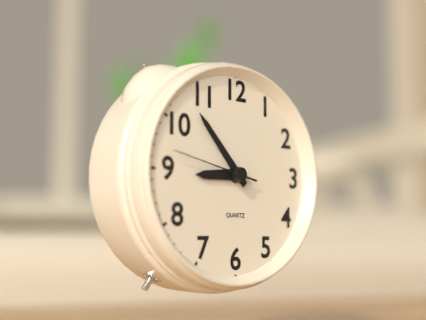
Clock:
8 h 53 min 47 s
